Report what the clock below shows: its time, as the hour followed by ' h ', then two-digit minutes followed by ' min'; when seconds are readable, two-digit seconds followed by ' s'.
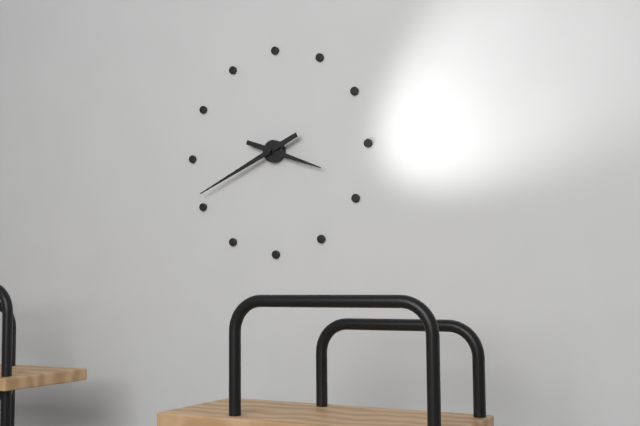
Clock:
3 h 41 min
